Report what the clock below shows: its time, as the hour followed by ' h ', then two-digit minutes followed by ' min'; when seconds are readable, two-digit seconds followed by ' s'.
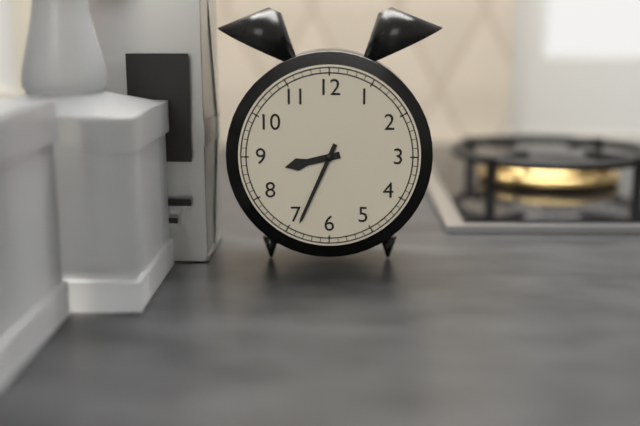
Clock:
8 h 34 min
